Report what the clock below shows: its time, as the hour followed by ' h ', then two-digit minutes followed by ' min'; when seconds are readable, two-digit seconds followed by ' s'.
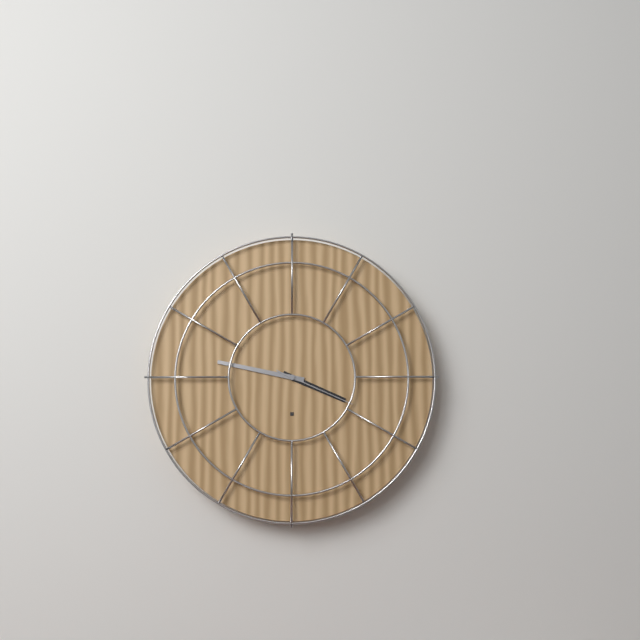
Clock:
3 h 47 min 19 s
